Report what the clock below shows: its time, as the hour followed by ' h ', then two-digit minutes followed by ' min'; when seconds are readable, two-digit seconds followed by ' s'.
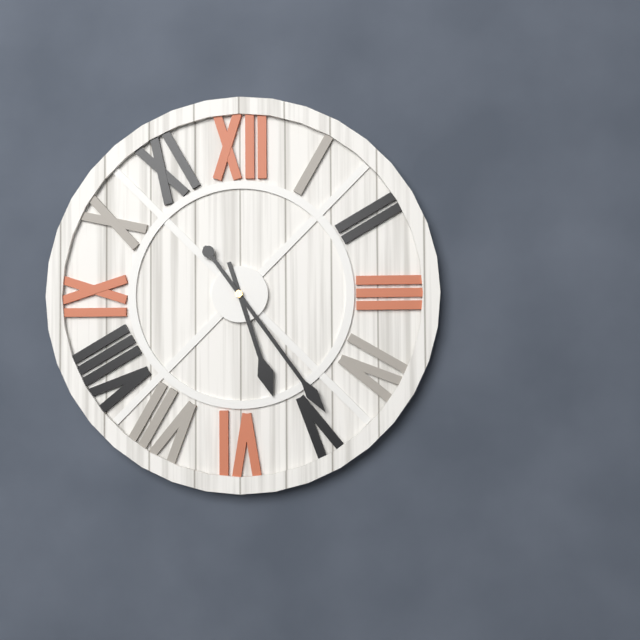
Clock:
5 h 24 min
